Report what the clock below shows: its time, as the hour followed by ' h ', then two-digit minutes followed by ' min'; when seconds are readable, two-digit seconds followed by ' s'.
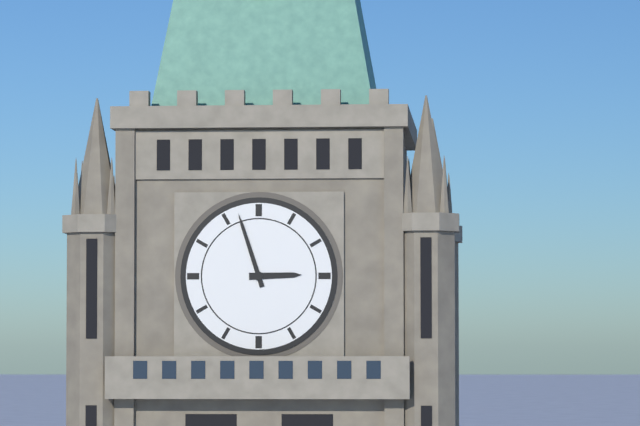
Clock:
2 h 57 min
